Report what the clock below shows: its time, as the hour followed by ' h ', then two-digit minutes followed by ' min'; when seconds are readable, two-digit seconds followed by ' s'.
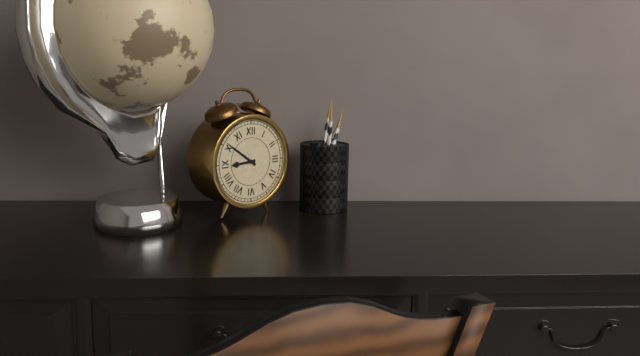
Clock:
8 h 51 min
